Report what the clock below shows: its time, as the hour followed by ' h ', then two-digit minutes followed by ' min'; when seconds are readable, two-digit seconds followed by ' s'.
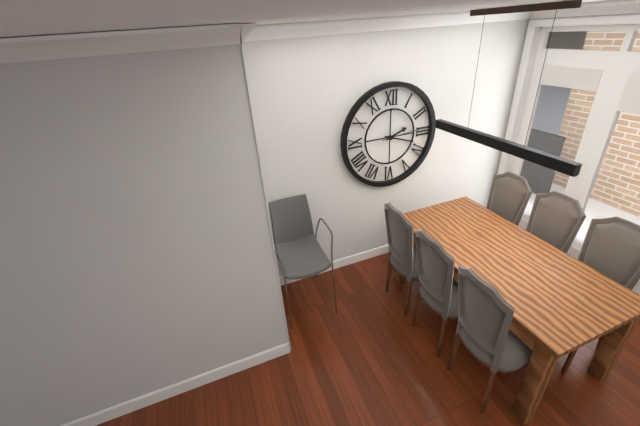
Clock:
2 h 18 min
